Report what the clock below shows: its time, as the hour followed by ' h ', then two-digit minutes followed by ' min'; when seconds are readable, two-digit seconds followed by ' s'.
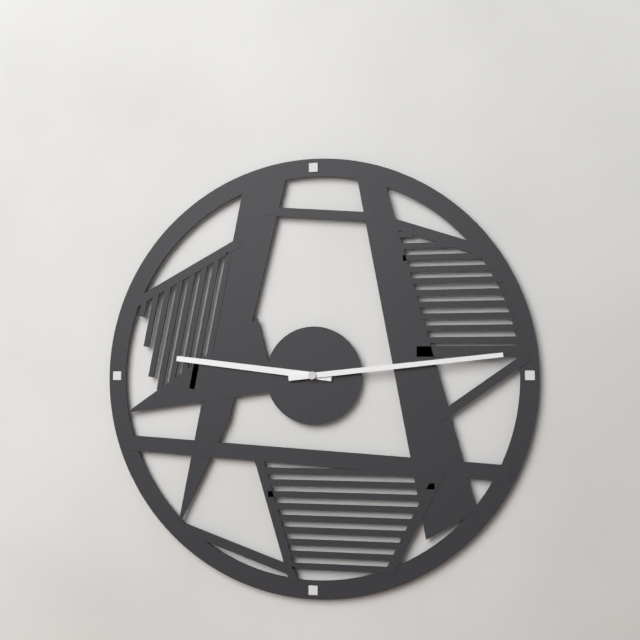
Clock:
9 h 14 min
